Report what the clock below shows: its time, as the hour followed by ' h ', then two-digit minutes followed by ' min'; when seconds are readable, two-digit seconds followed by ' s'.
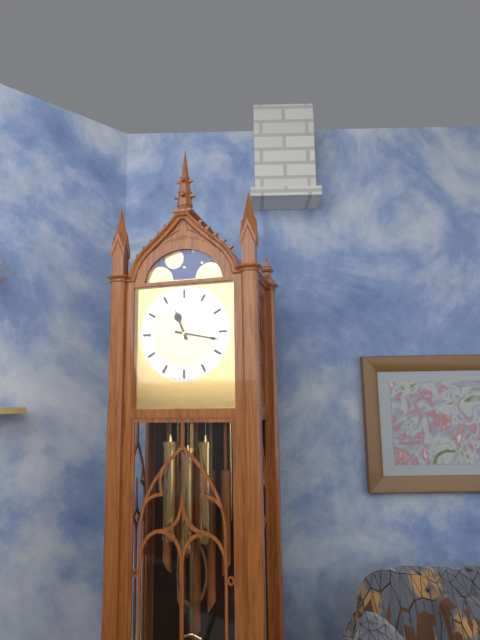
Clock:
11 h 17 min
